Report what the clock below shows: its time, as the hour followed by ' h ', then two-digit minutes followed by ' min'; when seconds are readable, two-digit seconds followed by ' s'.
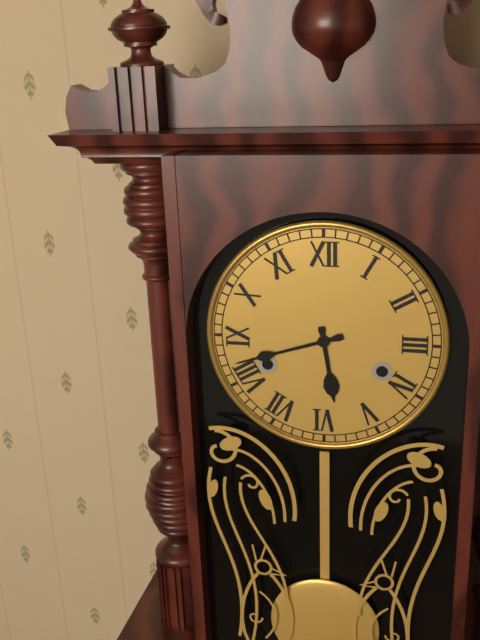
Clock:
5 h 42 min
